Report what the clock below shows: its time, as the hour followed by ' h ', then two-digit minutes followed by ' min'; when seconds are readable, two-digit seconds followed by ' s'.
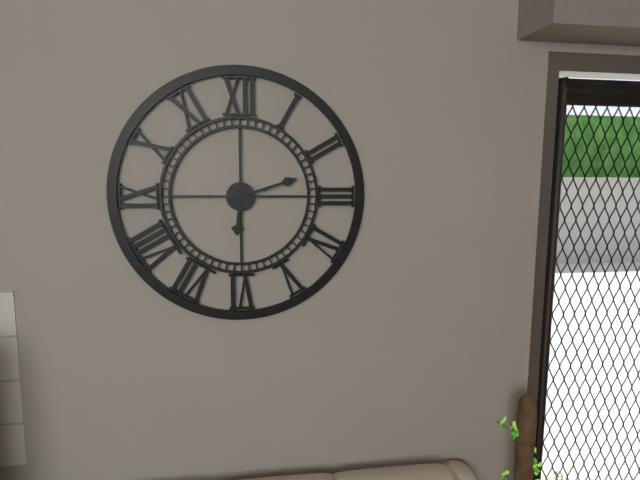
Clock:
6 h 12 min
